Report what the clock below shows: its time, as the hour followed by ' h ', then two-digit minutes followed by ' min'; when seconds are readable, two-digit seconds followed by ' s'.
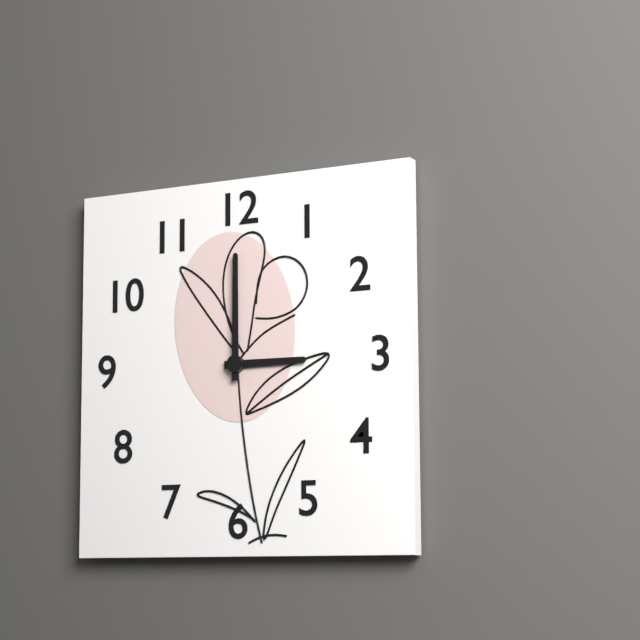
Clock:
3 h 00 min
